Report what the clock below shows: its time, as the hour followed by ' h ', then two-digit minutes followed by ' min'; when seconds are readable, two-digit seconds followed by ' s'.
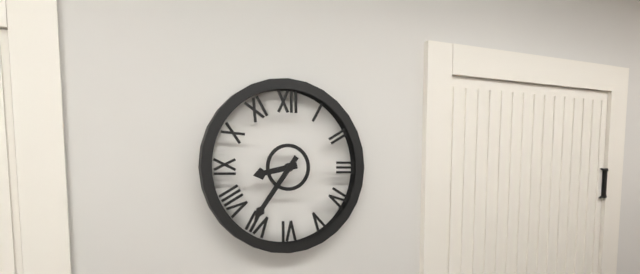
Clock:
8 h 36 min
